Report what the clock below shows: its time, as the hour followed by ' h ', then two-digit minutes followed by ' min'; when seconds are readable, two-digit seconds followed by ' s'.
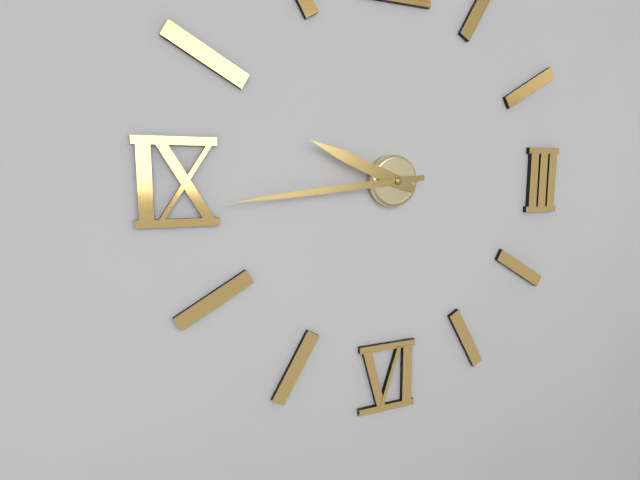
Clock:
9 h 44 min
